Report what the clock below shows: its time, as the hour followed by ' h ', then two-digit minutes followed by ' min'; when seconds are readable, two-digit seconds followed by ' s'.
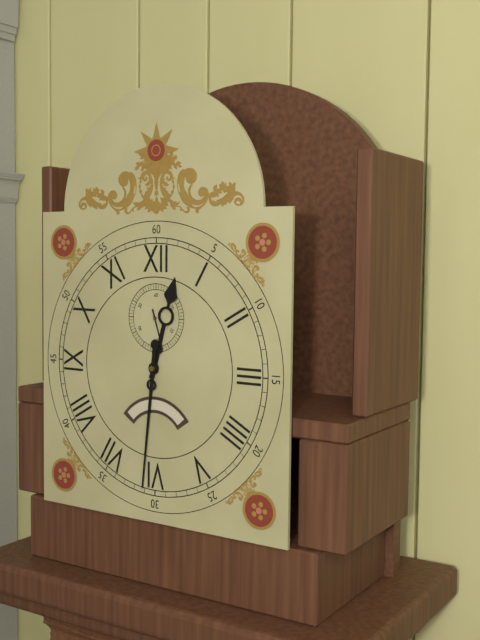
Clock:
12 h 31 min
